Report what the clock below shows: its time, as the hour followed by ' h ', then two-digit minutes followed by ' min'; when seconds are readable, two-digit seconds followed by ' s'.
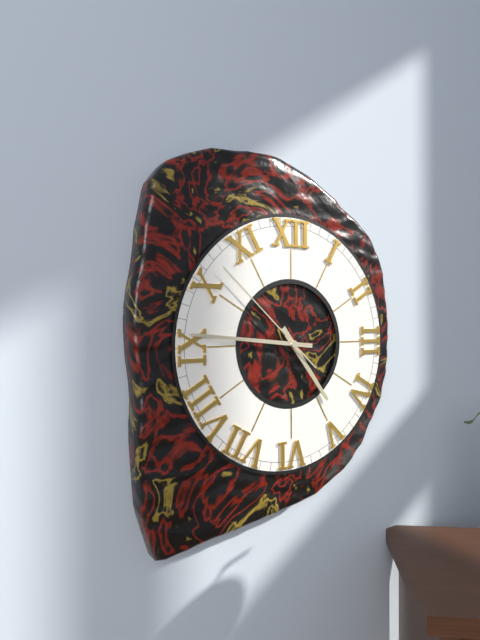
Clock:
4 h 46 min 52 s
